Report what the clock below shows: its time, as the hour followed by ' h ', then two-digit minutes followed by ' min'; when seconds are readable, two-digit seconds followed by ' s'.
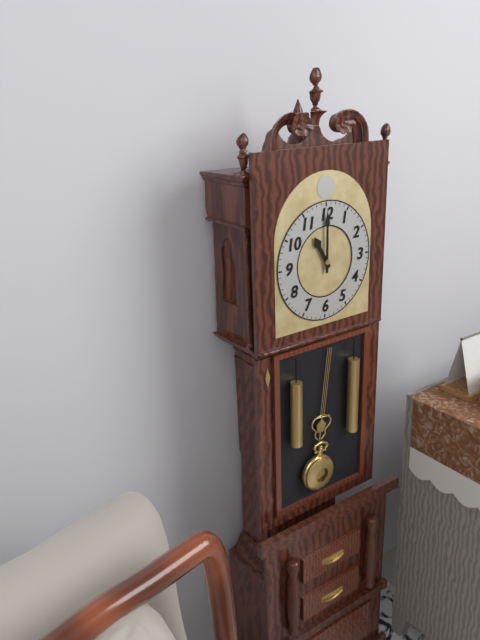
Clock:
11 h 00 min
